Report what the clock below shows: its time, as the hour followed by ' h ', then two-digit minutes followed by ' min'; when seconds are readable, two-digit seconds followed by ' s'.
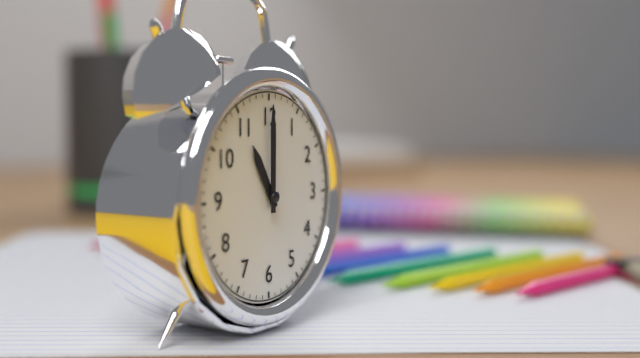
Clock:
11 h 00 min
